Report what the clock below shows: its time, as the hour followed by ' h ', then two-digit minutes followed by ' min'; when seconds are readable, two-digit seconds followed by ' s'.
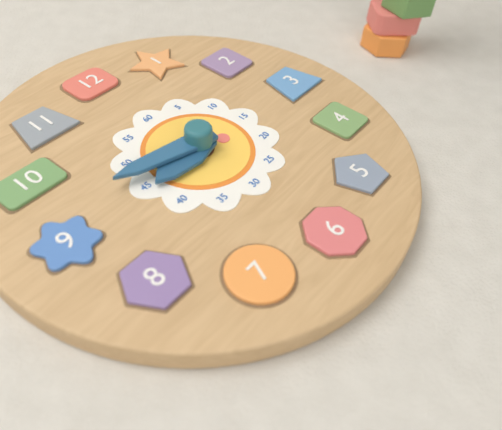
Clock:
8 h 47 min
